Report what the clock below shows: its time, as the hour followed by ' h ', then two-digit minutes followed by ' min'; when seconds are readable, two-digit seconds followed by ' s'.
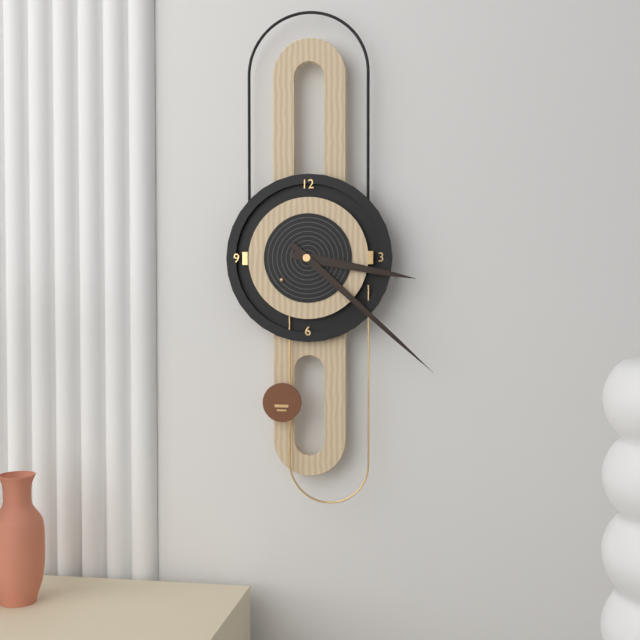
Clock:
3 h 22 min
